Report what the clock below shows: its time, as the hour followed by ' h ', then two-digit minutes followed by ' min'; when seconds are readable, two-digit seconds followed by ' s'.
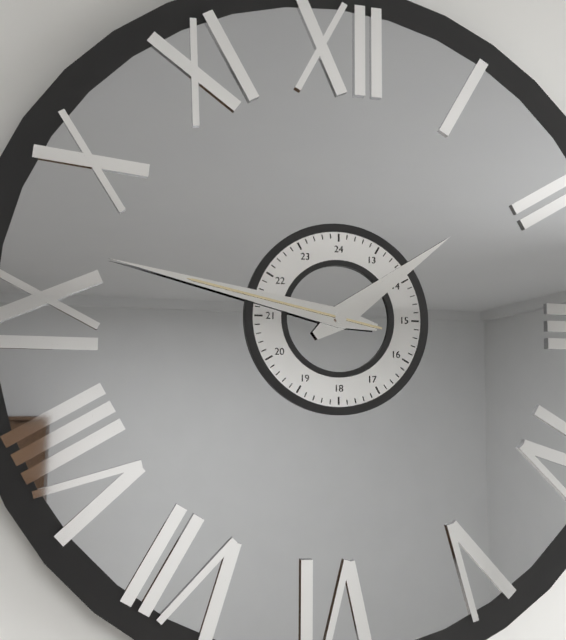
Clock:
1 h 47 min 47 s
